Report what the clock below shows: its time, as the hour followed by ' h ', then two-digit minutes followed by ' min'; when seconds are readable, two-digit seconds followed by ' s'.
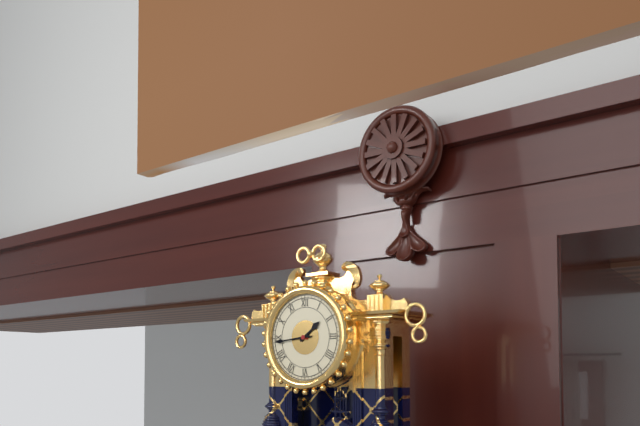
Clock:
1 h 44 min
